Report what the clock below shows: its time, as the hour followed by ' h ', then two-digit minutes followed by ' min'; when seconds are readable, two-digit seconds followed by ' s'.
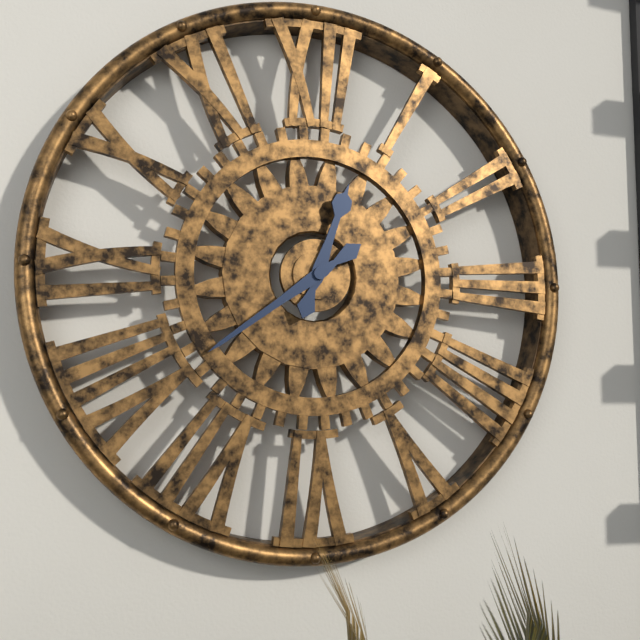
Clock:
12 h 39 min
